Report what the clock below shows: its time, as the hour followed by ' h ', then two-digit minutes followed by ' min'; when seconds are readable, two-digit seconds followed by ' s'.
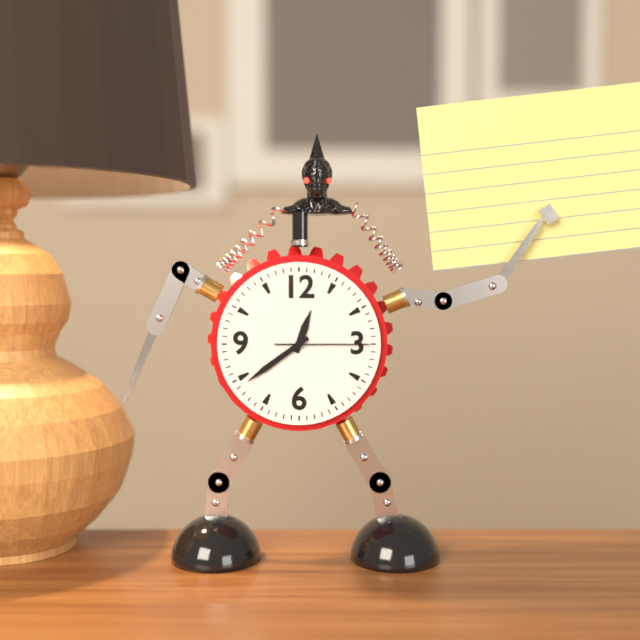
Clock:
12 h 39 min 15 s
